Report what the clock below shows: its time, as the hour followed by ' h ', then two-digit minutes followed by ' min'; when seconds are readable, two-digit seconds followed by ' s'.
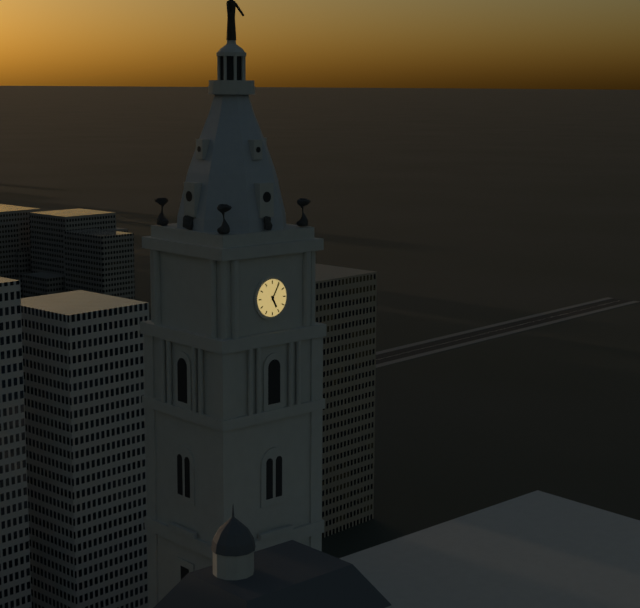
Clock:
5 h 05 min
